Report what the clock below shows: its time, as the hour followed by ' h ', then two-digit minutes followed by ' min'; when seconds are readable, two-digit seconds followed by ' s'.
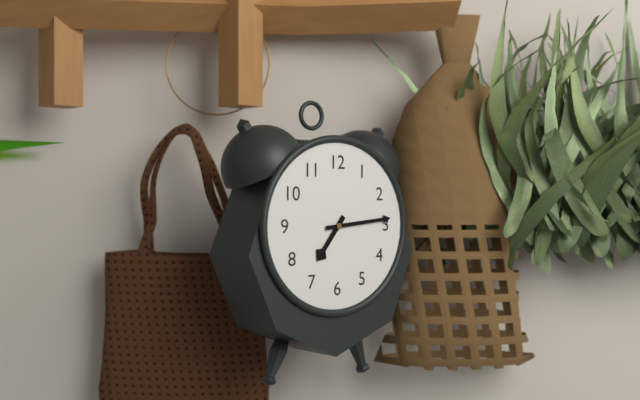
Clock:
7 h 14 min
